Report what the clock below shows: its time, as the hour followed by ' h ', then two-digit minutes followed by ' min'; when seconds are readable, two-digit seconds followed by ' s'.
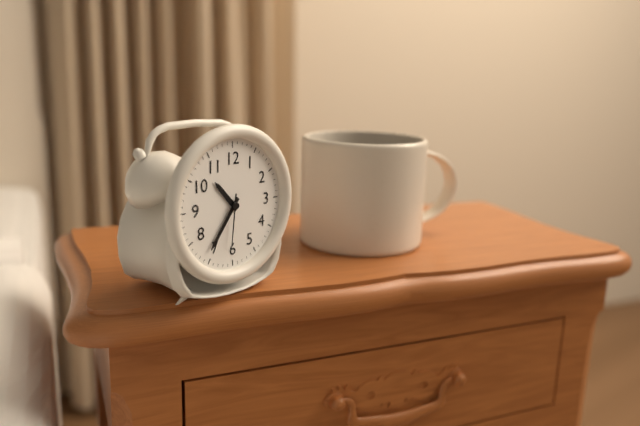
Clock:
10 h 36 min 31 s
